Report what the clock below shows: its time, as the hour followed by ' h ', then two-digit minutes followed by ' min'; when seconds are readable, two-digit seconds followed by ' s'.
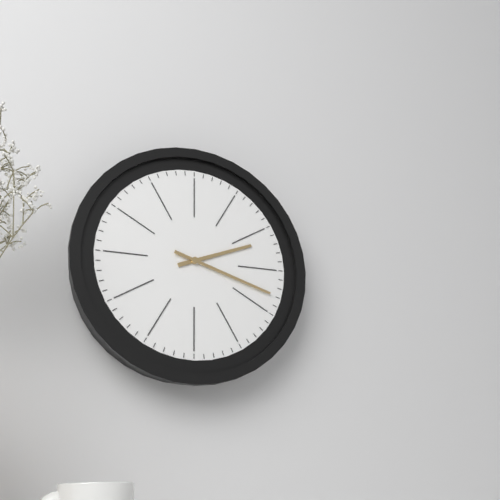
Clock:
2 h 18 min
